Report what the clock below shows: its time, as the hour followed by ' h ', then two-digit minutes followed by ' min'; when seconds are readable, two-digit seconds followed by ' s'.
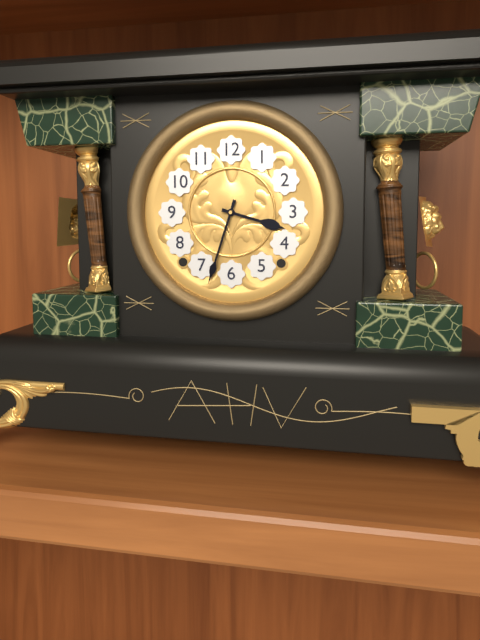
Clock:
3 h 33 min
